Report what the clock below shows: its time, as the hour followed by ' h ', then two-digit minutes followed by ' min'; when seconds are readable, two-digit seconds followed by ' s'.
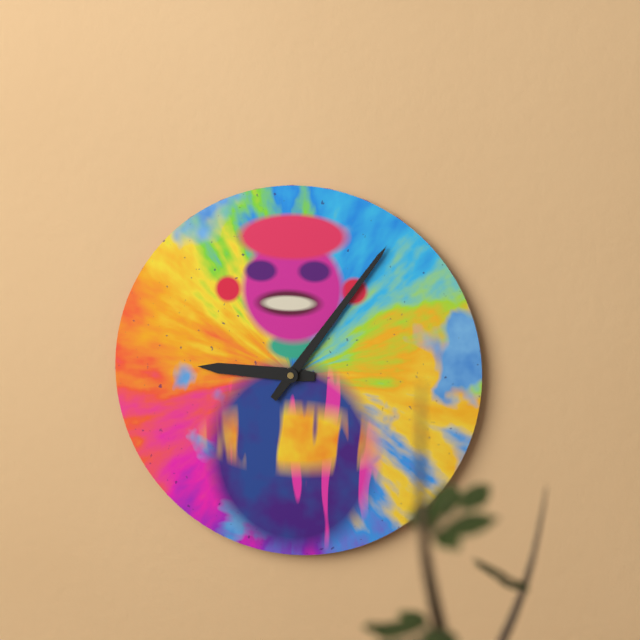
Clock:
9 h 06 min
